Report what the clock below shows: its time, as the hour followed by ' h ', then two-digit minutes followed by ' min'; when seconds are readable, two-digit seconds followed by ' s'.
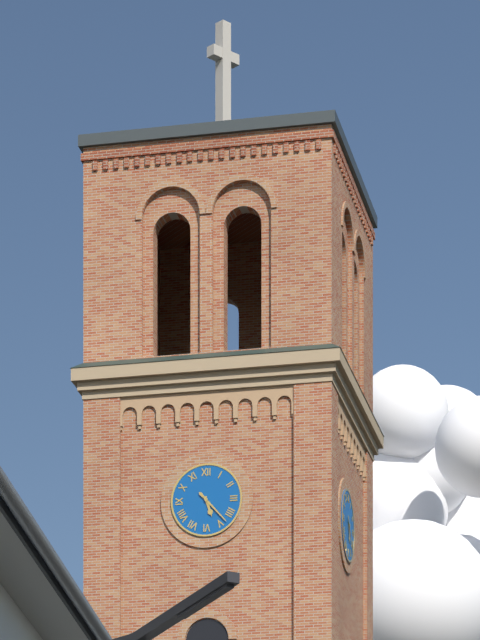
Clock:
5 h 23 min
